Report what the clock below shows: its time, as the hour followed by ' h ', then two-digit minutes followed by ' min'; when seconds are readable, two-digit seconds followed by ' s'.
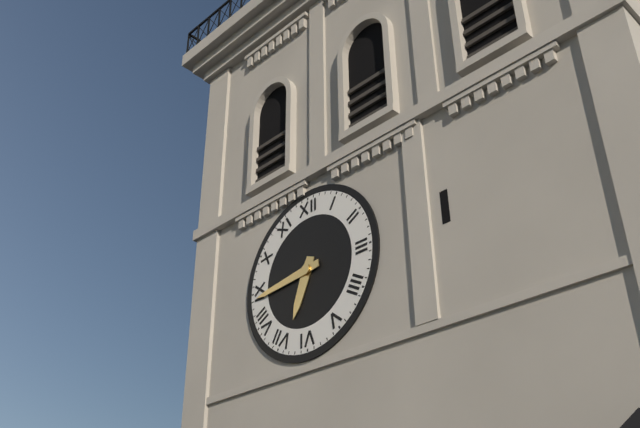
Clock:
6 h 44 min
